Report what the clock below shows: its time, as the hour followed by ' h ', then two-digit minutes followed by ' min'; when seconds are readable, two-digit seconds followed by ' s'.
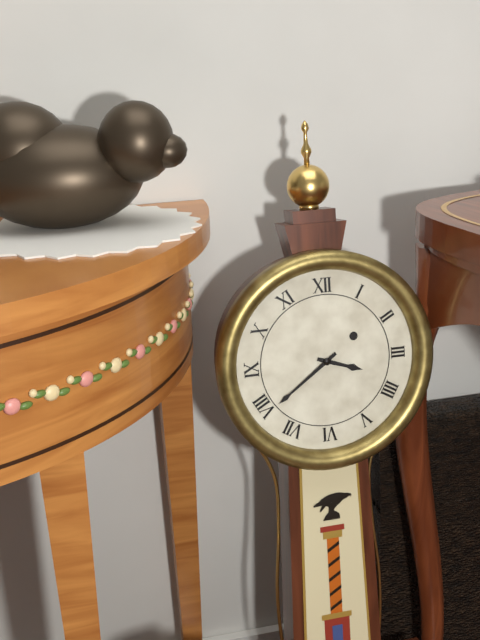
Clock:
3 h 39 min
